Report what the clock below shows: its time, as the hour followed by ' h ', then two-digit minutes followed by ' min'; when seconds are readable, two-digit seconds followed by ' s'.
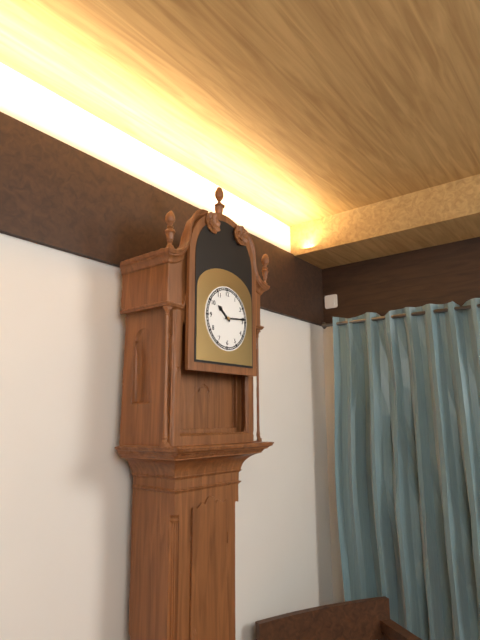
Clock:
10 h 14 min
